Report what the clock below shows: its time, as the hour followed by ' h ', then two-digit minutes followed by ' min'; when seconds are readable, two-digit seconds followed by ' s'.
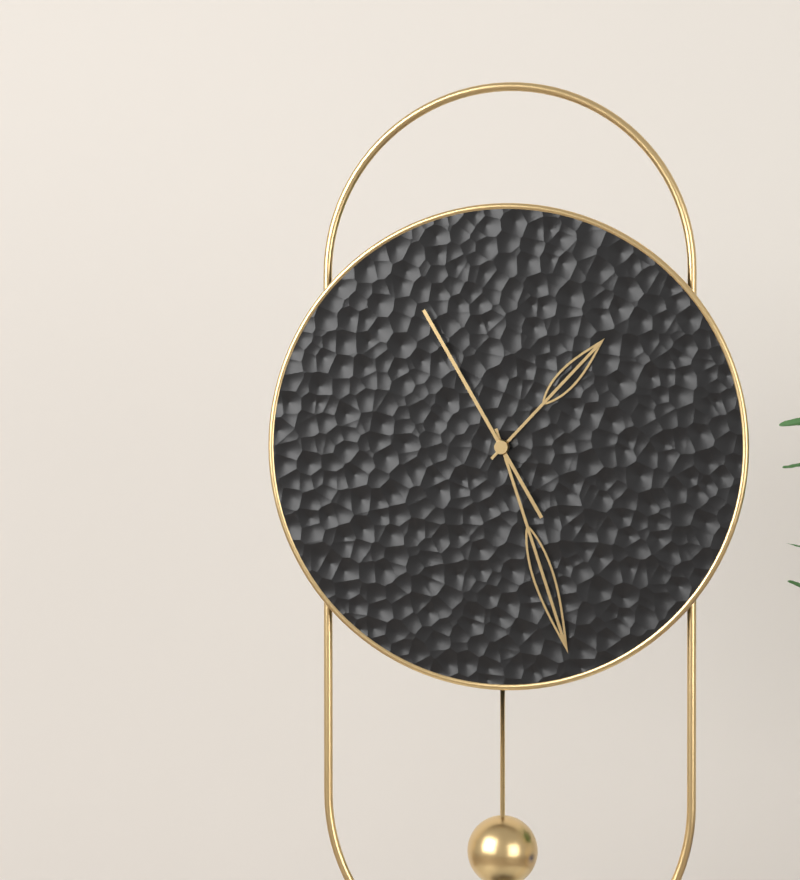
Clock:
1 h 27 min 55 s
